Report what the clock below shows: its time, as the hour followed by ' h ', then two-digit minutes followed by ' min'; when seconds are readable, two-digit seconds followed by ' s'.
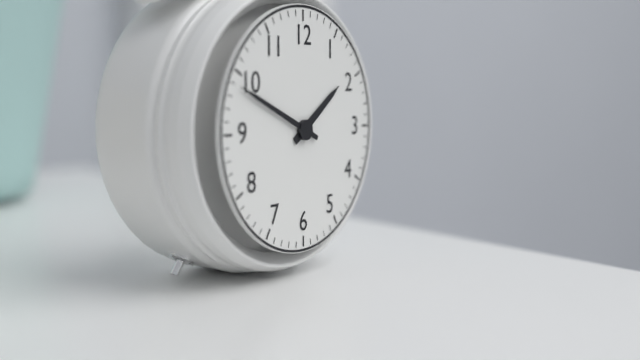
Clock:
1 h 49 min
